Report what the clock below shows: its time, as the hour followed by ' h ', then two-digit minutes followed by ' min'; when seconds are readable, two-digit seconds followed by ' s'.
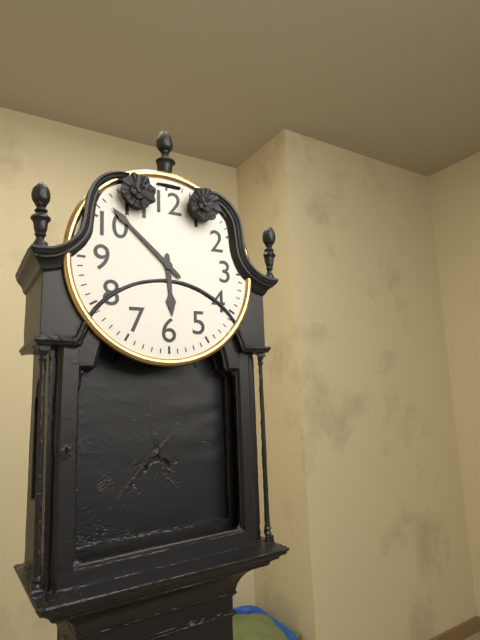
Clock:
5 h 52 min
